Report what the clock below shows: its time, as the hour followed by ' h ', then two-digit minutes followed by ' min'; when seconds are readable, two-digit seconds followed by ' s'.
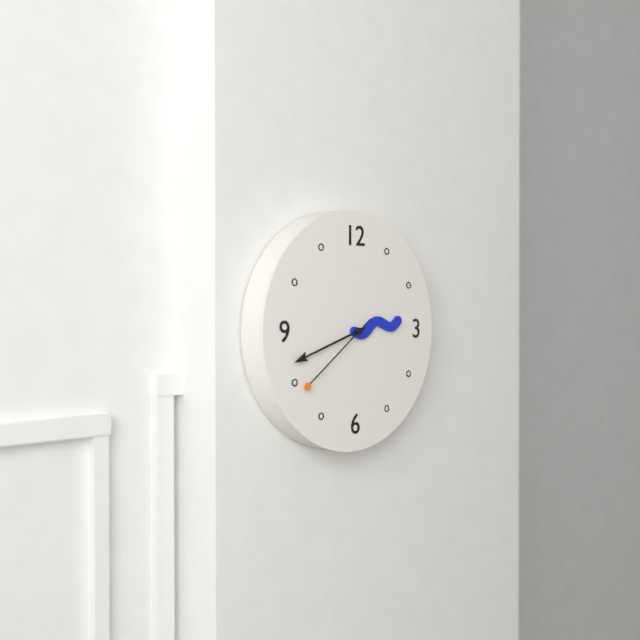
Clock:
2 h 42 min 39 s
